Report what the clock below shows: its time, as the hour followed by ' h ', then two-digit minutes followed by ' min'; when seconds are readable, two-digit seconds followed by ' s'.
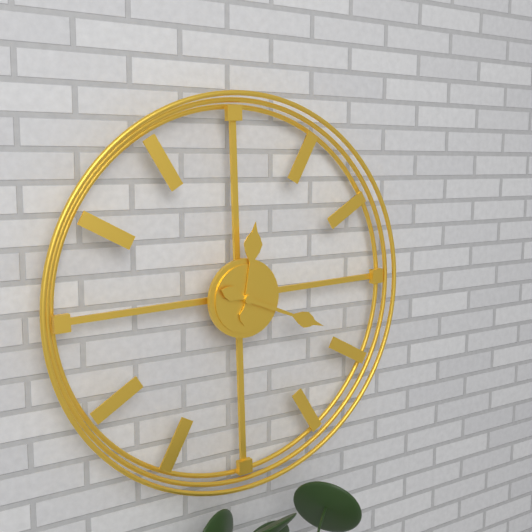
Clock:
12 h 19 min
